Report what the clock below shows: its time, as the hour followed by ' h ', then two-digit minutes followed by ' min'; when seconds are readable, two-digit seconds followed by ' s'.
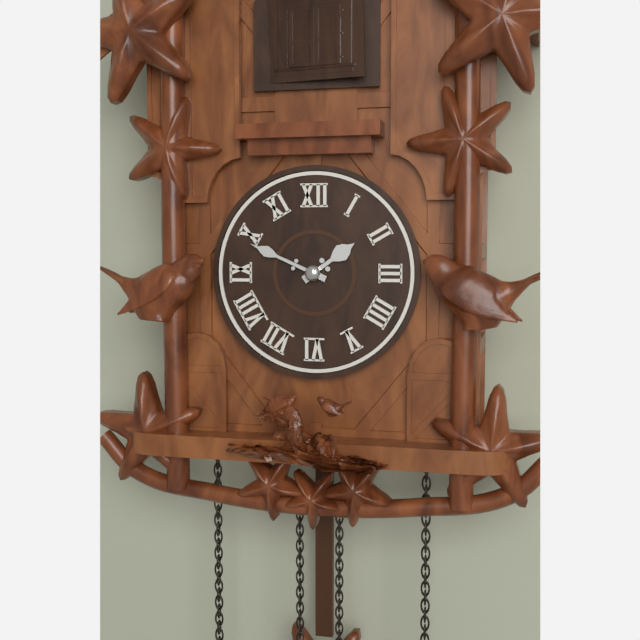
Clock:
1 h 49 min
